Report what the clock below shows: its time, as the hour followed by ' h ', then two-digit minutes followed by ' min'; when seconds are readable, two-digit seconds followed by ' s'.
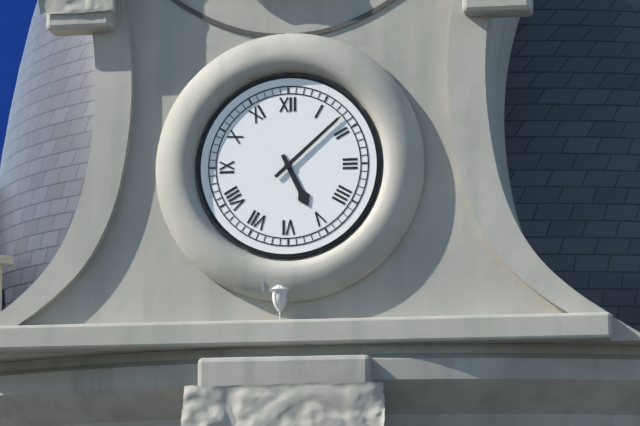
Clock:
5 h 08 min
